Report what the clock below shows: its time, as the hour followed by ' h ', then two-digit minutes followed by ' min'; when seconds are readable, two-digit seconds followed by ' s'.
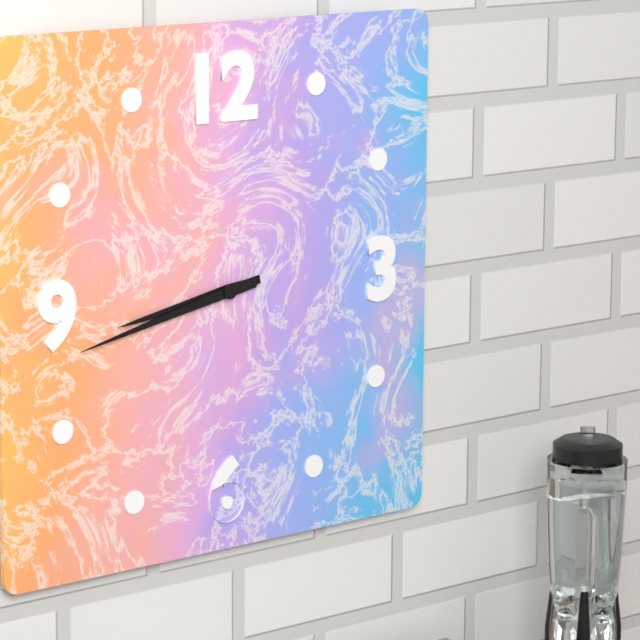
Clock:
8 h 43 min
